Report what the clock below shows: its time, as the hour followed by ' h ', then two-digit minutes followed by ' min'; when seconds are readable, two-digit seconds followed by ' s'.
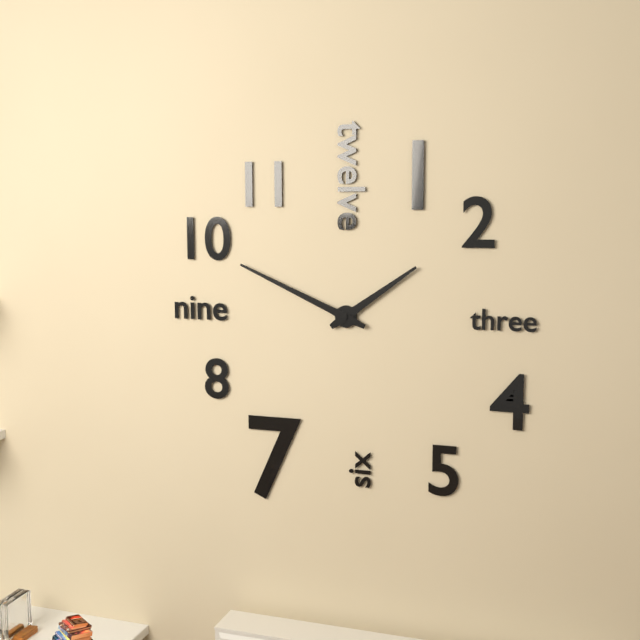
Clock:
1 h 49 min
